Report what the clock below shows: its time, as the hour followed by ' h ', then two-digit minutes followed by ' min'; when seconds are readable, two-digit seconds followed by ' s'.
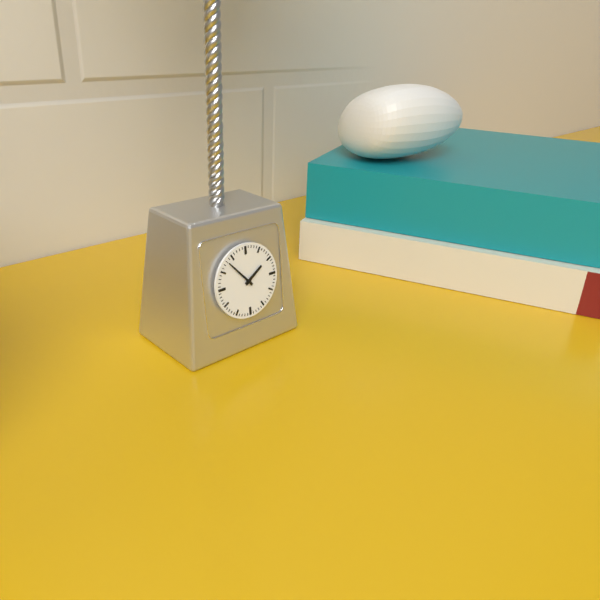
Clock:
1 h 53 min
